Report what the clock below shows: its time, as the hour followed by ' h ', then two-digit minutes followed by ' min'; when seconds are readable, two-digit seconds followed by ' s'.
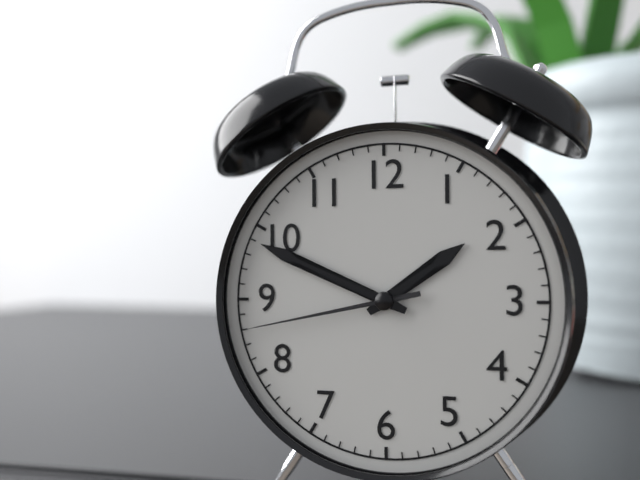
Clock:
1 h 49 min 43 s
